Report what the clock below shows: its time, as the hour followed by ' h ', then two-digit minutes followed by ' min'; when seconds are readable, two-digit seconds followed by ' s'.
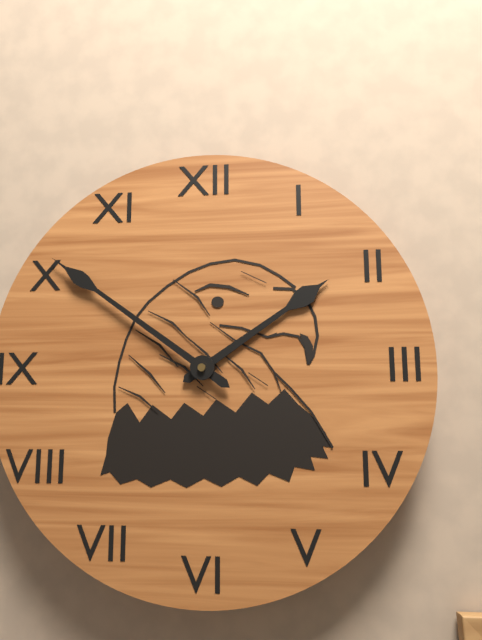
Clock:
1 h 51 min
